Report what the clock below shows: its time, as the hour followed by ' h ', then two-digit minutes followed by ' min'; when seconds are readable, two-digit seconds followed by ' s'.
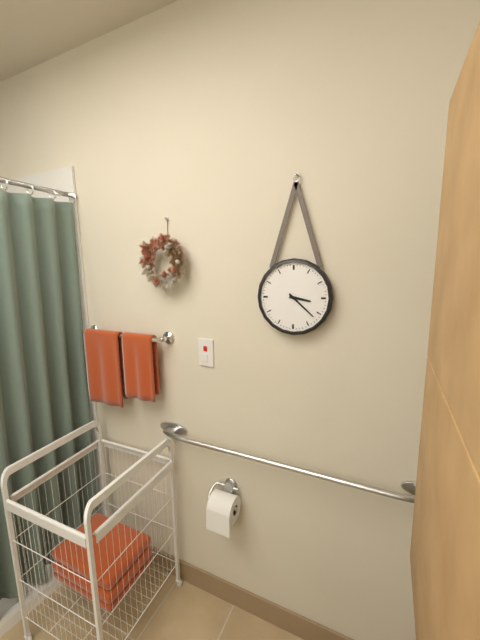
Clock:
3 h 22 min
